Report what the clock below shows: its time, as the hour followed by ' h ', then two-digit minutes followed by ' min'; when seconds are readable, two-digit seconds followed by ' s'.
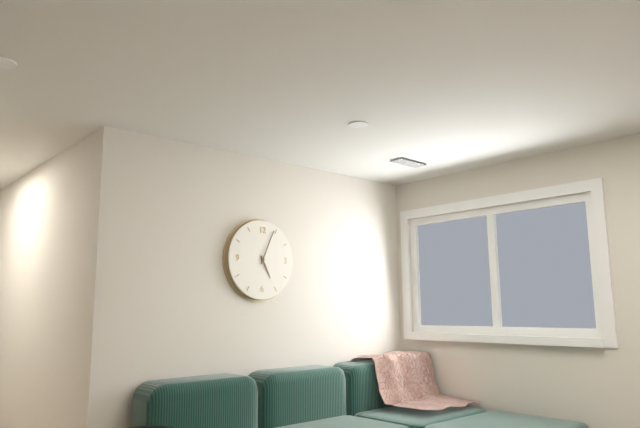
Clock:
5 h 04 min
